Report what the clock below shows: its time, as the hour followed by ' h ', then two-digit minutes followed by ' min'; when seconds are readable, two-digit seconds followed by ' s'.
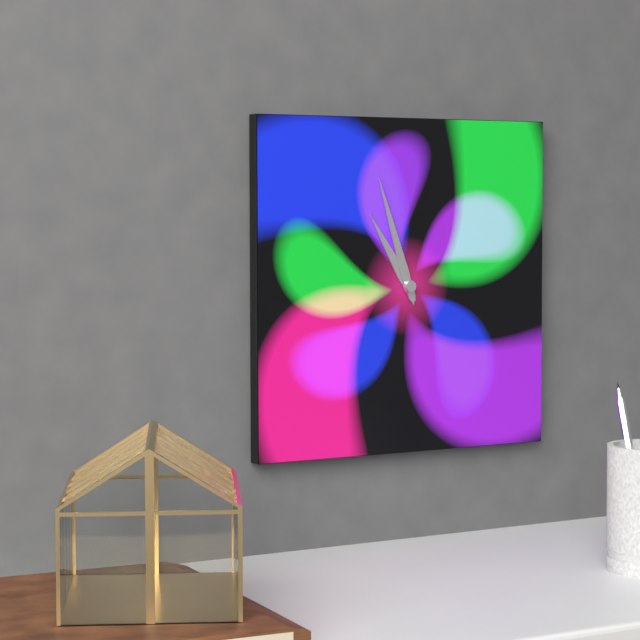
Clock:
10 h 57 min
